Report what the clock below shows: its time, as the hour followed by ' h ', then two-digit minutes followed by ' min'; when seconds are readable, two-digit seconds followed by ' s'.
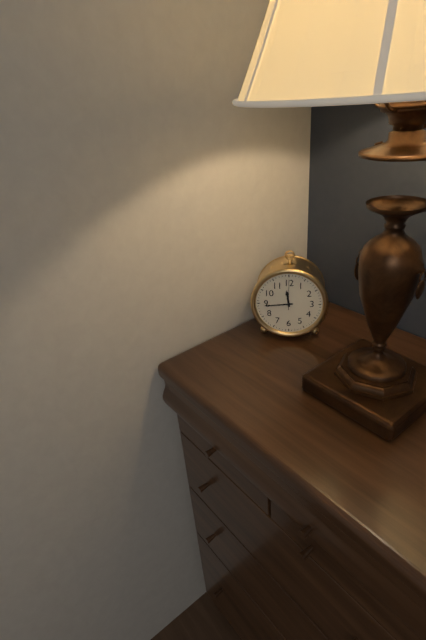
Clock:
11 h 44 min
